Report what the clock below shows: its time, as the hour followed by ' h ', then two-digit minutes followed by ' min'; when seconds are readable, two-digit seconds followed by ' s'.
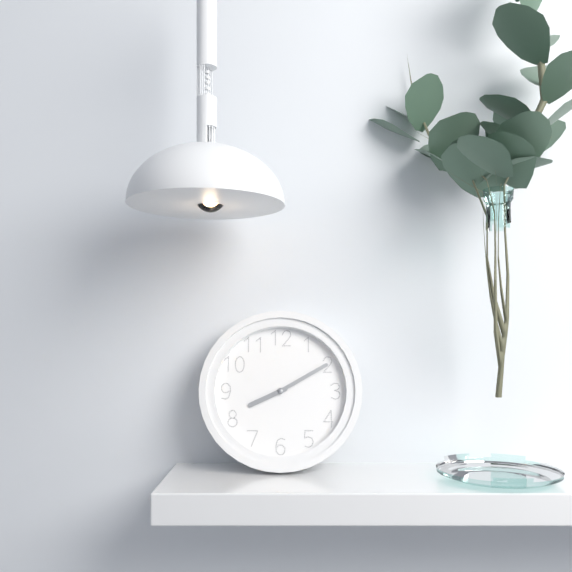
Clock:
8 h 10 min
